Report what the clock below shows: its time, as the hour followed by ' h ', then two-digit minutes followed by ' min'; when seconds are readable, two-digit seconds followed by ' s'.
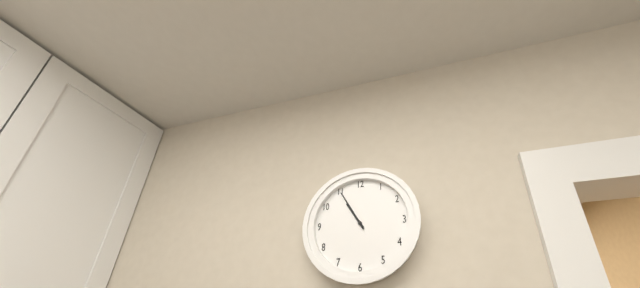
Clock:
10 h 55 min
